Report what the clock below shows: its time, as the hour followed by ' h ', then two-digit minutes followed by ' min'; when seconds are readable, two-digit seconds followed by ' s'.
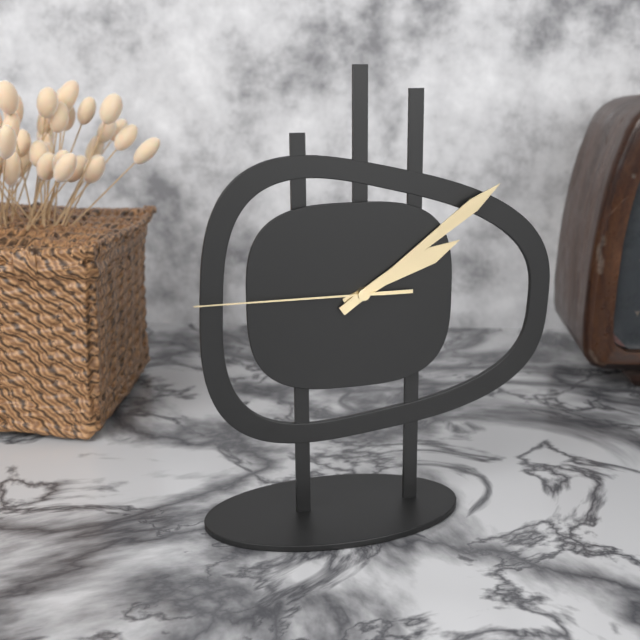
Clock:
2 h 09 min 45 s
